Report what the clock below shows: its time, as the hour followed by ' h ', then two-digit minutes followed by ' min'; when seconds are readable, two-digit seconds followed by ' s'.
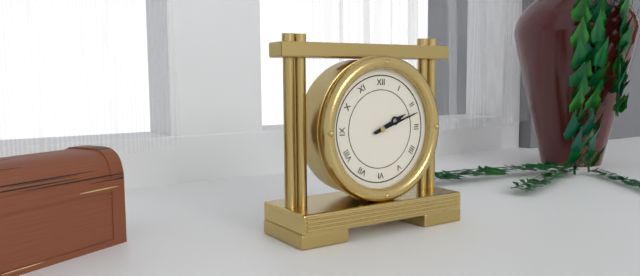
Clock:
2 h 12 min
